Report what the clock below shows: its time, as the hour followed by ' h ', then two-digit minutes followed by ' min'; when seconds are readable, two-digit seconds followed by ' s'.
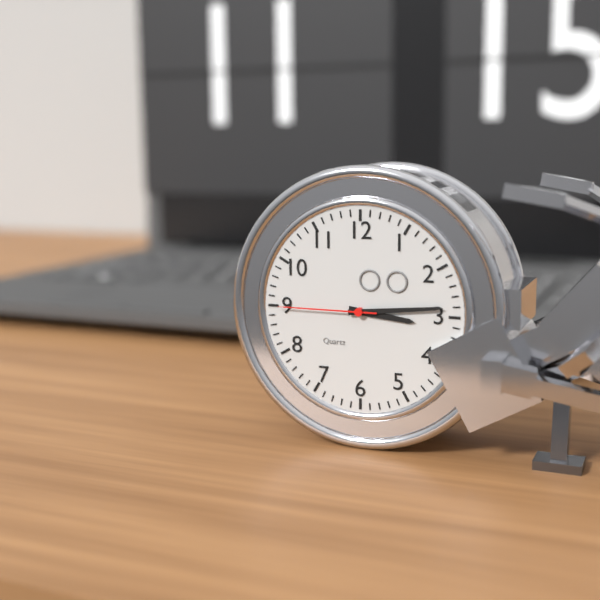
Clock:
3 h 14 min 45 s
